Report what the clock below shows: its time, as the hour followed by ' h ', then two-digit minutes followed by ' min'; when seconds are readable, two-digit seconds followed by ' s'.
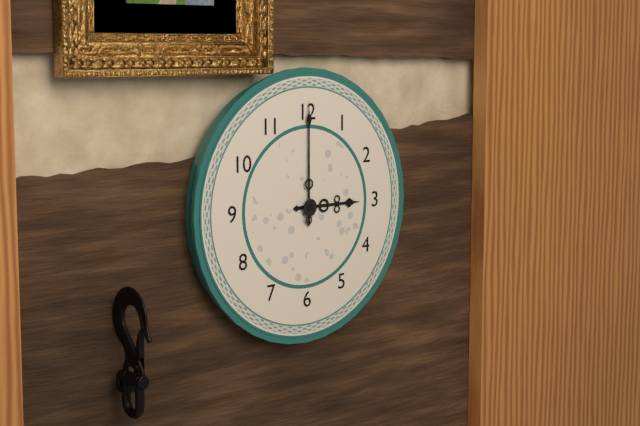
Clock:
3 h 00 min
